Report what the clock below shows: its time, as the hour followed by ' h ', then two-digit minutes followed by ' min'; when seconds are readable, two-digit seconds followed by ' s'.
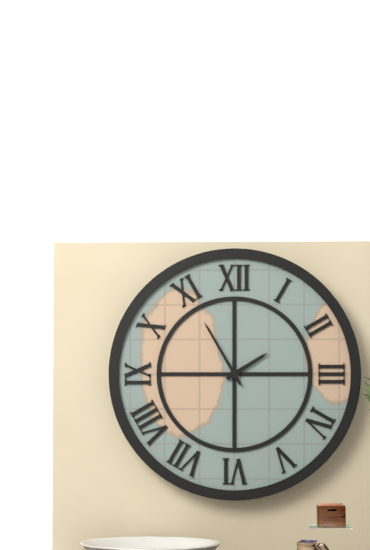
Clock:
1 h 55 min
